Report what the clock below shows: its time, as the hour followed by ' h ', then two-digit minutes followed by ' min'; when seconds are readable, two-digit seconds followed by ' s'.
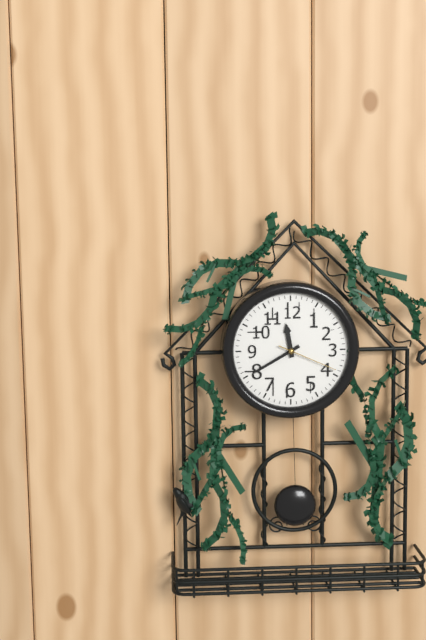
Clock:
11 h 40 min 19 s
